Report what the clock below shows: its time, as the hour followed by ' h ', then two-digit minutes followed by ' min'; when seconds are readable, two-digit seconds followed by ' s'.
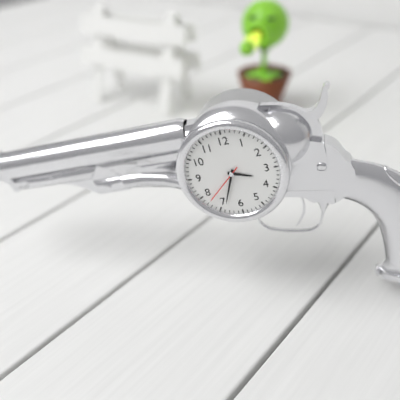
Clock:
3 h 34 min
